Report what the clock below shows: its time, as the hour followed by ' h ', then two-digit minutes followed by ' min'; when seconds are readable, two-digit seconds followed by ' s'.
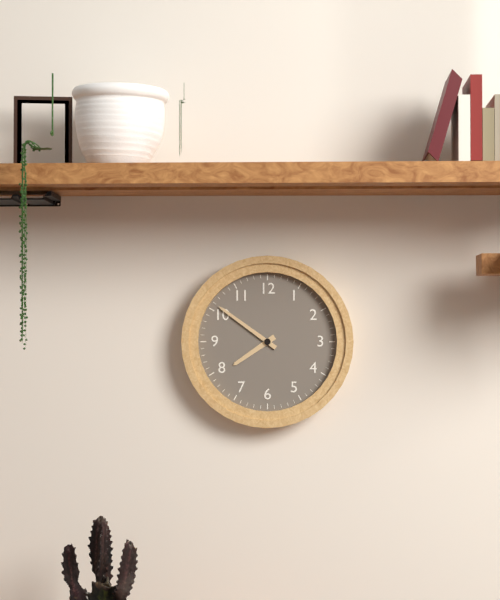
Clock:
7 h 51 min
